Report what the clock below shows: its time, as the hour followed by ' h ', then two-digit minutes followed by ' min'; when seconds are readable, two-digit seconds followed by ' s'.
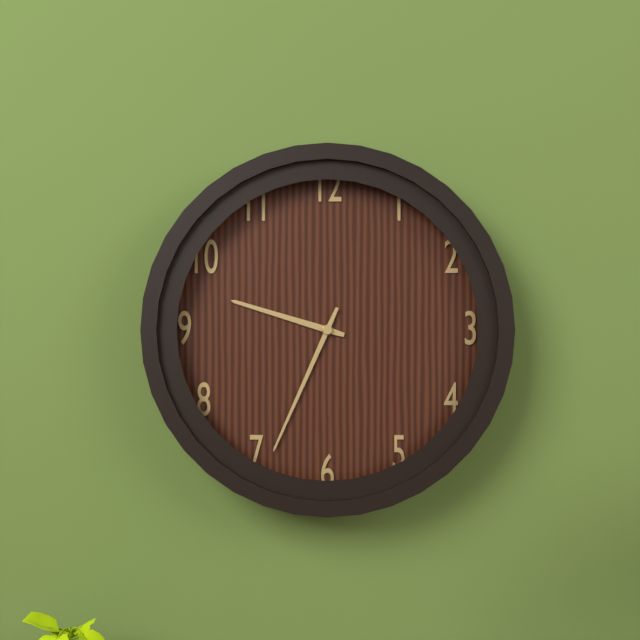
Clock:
9 h 34 min
